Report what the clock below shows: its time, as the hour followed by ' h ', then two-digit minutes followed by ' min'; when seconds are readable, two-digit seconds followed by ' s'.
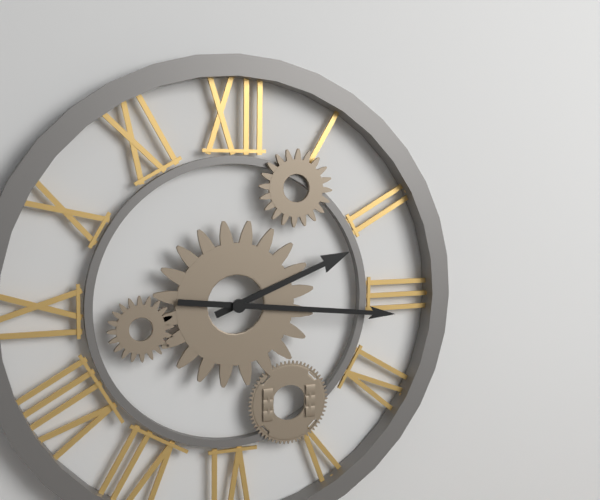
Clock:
2 h 16 min
